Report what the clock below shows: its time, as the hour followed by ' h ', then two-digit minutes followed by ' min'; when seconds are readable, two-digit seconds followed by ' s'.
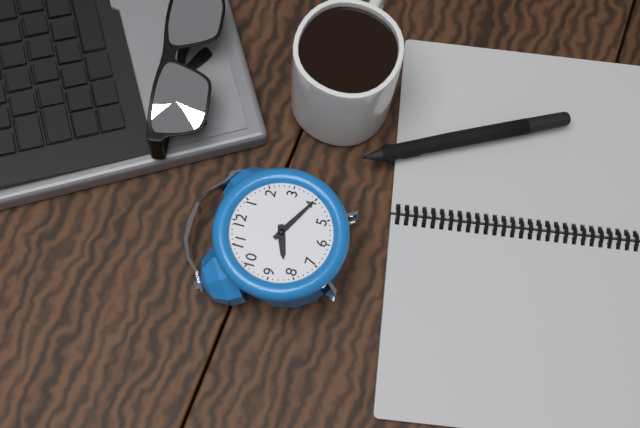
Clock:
8 h 20 min
